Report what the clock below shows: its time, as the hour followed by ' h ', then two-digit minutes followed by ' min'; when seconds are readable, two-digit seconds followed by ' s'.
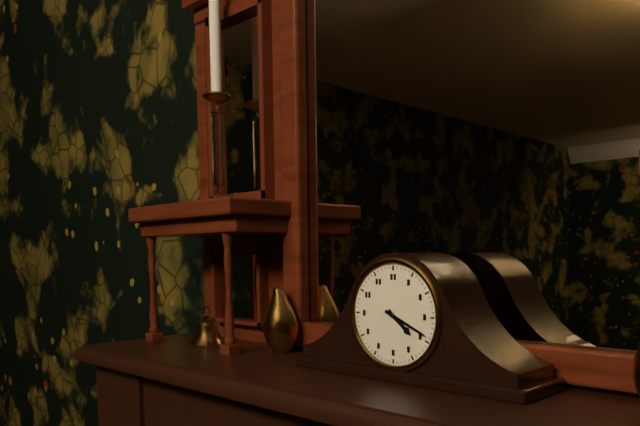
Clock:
4 h 19 min
